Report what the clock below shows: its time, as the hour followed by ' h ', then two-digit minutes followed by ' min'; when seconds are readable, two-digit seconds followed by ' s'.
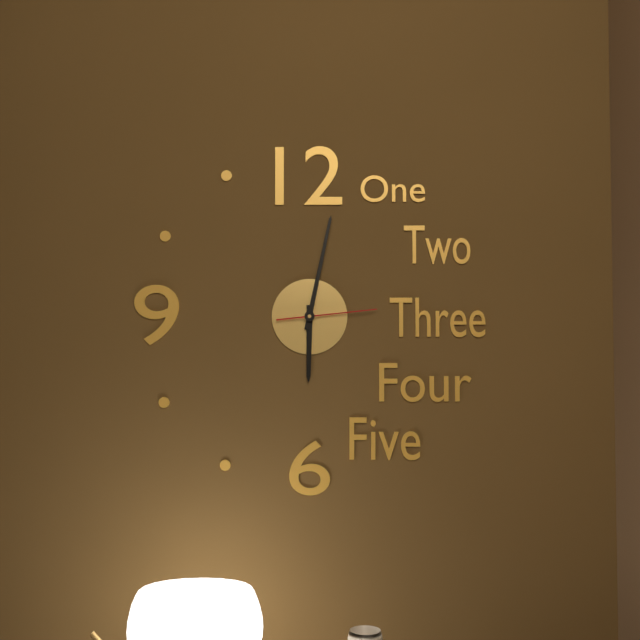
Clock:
6 h 02 min 14 s
